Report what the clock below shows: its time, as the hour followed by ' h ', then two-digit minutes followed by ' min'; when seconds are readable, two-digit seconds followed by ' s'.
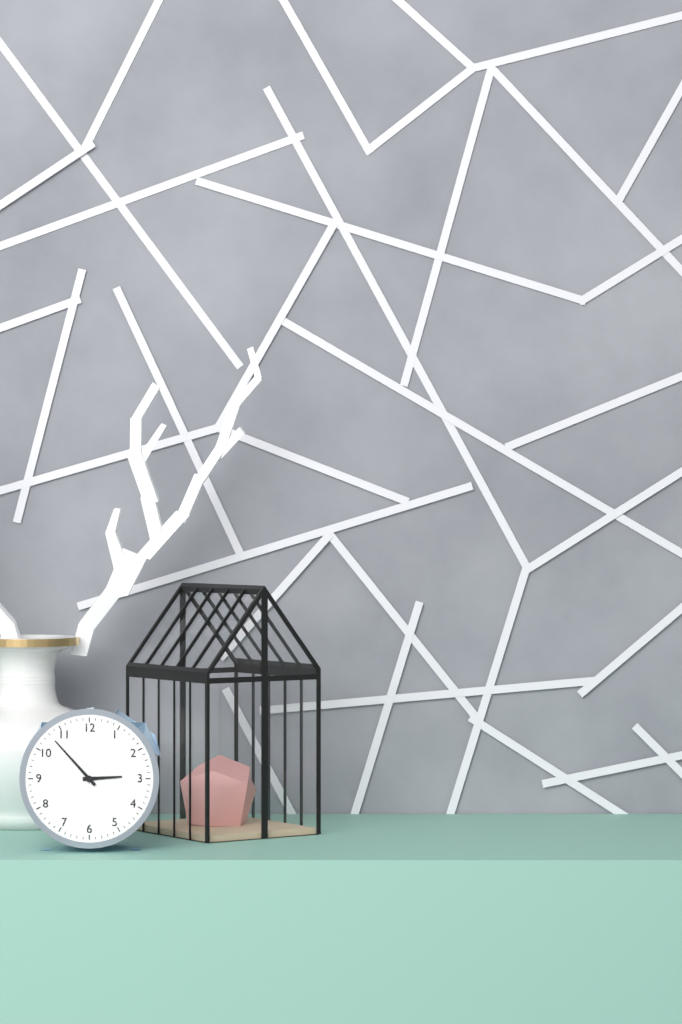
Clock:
2 h 53 min
